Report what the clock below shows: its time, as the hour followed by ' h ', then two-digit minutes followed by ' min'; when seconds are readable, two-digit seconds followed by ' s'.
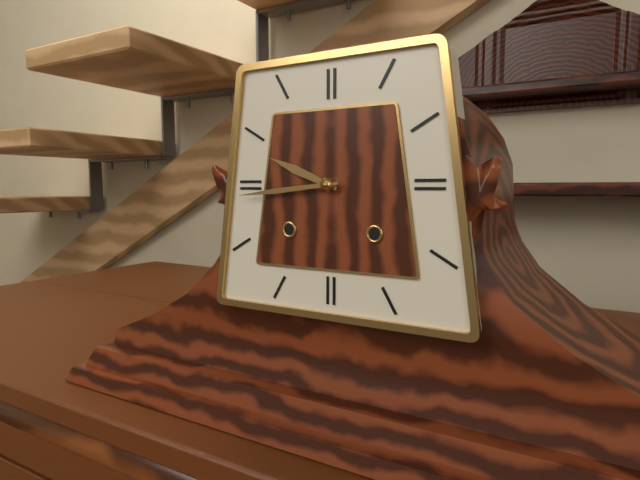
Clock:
9 h 44 min
